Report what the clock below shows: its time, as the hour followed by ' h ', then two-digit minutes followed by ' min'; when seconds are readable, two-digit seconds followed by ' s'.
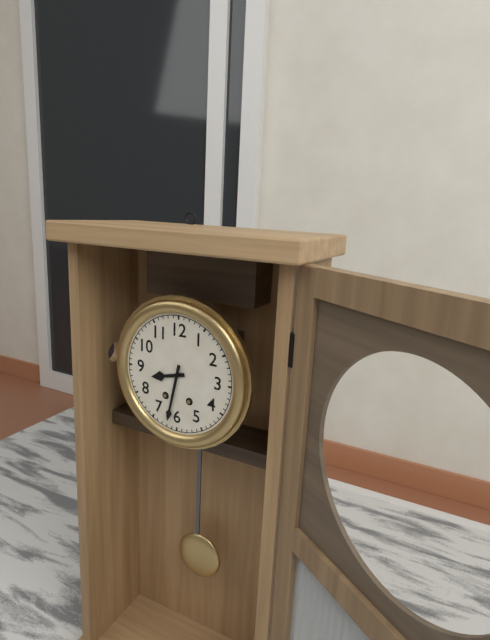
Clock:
8 h 32 min
